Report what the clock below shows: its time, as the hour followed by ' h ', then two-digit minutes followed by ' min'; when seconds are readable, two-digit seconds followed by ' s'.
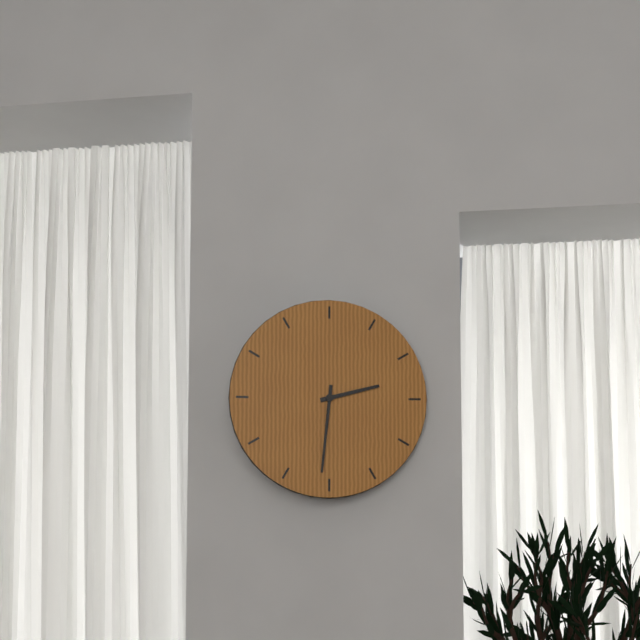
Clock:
2 h 31 min
